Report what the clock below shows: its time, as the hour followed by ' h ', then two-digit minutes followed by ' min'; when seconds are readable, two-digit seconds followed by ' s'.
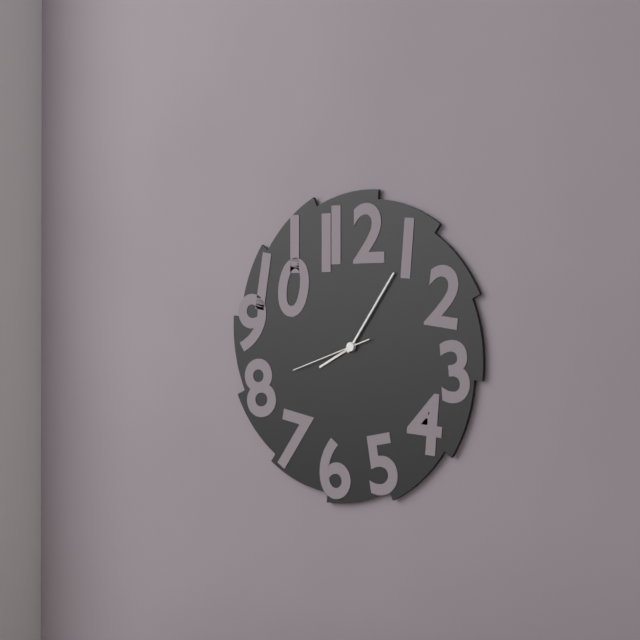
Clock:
8 h 06 min 42 s
